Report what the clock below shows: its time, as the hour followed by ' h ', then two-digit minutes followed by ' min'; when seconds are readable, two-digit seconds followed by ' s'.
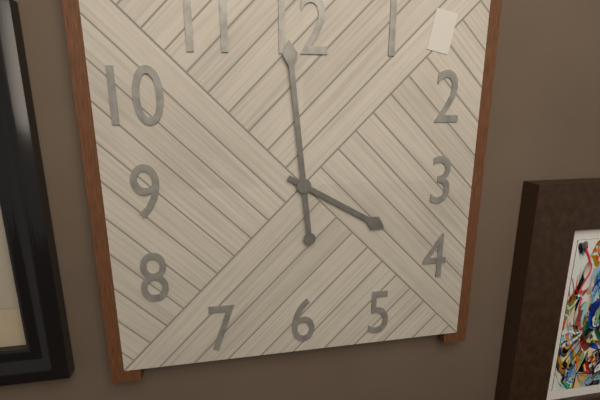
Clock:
3 h 59 min
